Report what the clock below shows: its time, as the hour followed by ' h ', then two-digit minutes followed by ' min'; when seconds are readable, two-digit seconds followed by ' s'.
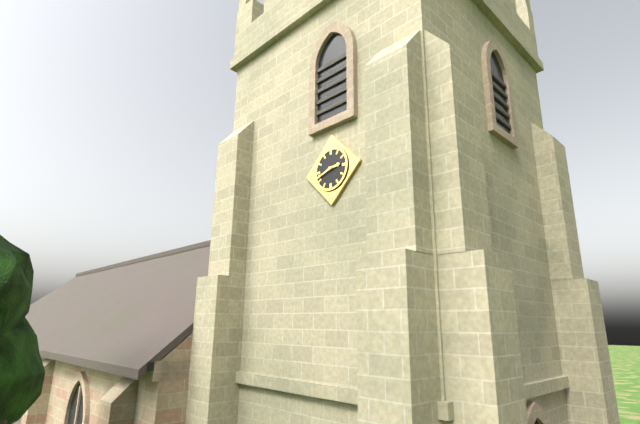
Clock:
2 h 42 min
